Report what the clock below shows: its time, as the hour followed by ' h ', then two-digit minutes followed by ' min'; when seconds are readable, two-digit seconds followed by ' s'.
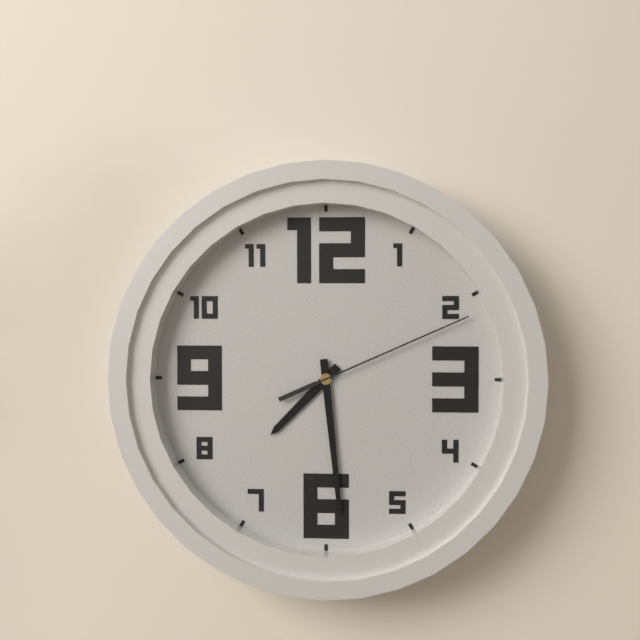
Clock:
7 h 29 min 11 s
